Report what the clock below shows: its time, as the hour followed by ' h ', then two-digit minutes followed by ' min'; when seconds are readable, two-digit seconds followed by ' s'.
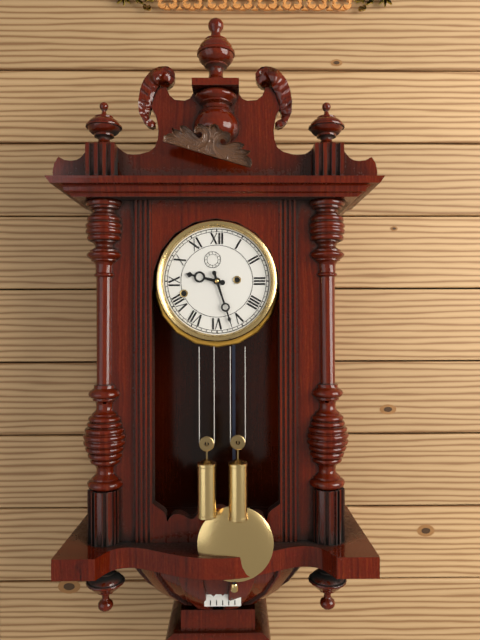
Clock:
9 h 27 min
